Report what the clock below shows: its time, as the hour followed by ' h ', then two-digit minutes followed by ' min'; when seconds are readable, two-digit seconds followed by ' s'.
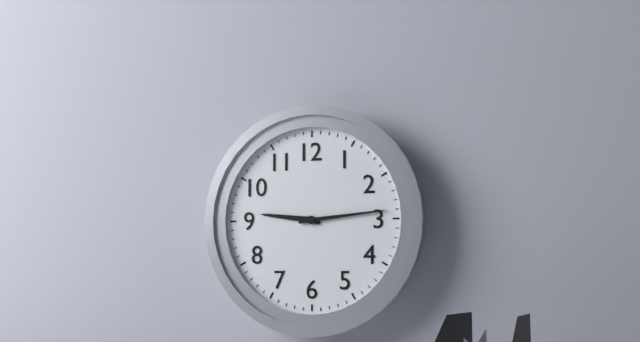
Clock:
9 h 14 min
